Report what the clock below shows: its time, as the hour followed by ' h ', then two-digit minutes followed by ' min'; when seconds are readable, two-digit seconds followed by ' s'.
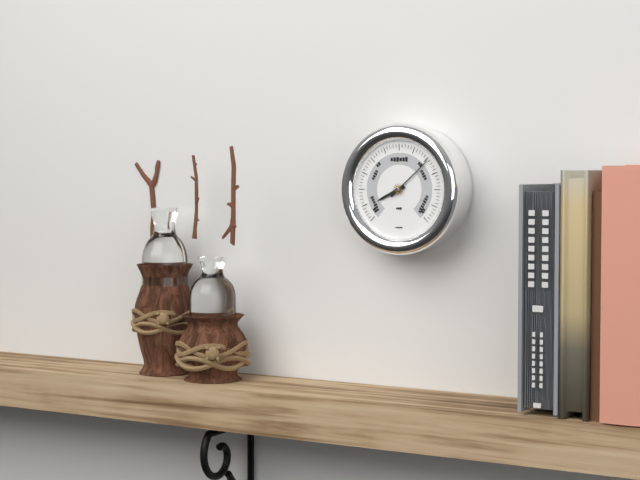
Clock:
8 h 08 min
